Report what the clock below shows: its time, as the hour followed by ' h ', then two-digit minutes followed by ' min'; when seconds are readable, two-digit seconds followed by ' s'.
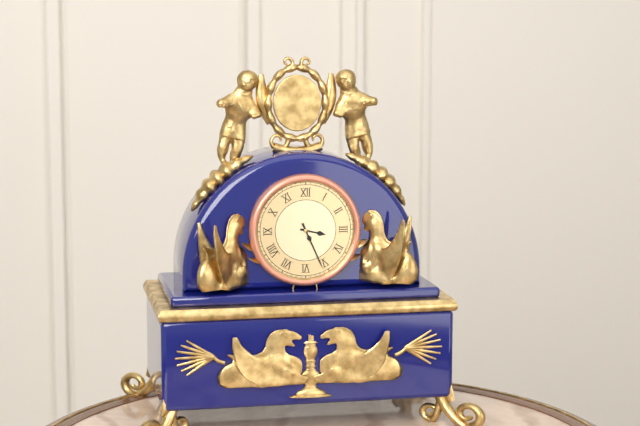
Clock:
3 h 26 min
